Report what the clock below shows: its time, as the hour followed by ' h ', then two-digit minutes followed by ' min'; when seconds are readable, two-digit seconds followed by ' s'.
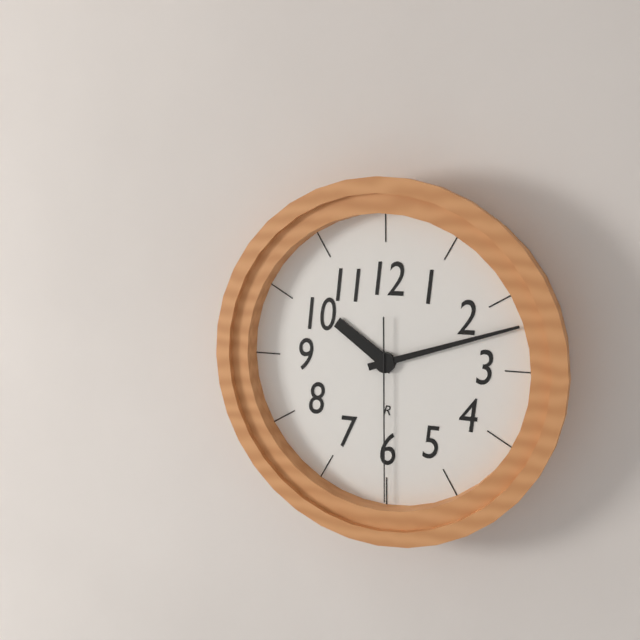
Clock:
10 h 12 min 30 s
